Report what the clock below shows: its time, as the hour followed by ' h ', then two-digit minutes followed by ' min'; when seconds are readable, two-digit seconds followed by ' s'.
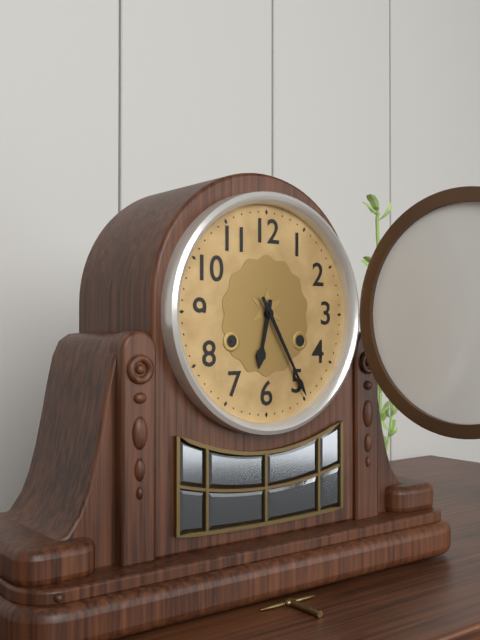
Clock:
6 h 25 min
